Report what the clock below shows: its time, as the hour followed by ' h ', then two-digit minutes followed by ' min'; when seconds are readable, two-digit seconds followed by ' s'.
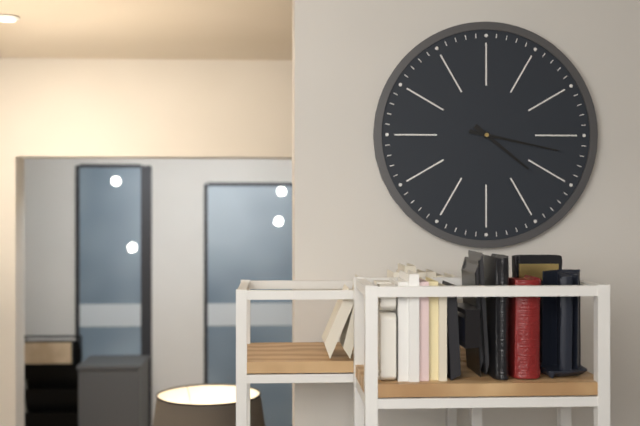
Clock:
4 h 17 min
